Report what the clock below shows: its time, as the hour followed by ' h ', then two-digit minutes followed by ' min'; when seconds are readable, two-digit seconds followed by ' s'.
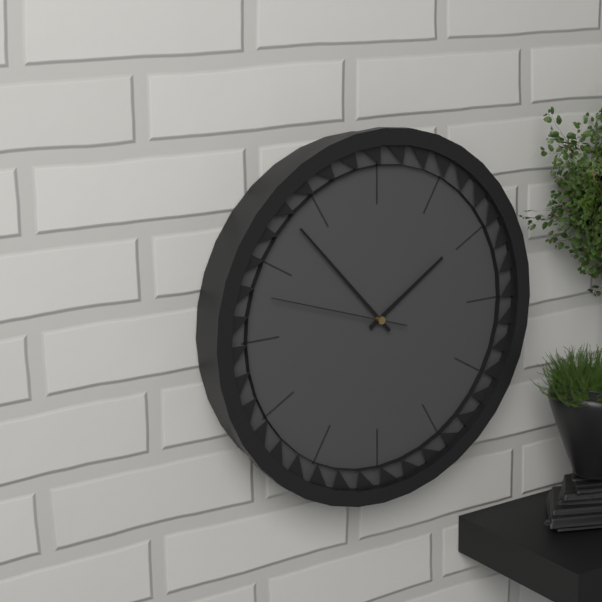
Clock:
1 h 53 min 48 s
